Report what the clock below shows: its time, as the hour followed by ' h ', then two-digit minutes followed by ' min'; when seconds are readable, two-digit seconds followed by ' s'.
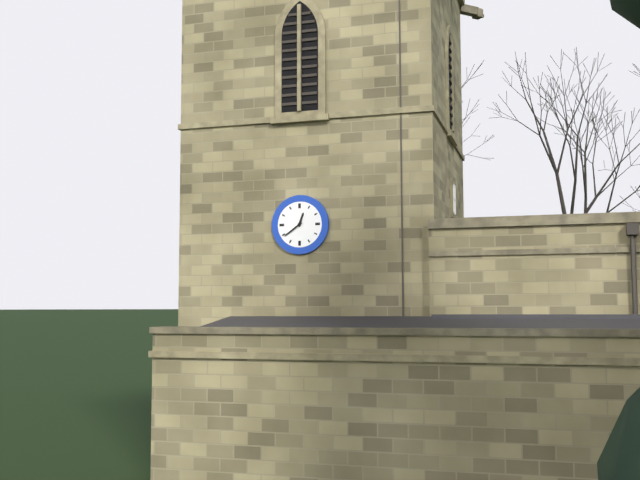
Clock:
12 h 39 min
